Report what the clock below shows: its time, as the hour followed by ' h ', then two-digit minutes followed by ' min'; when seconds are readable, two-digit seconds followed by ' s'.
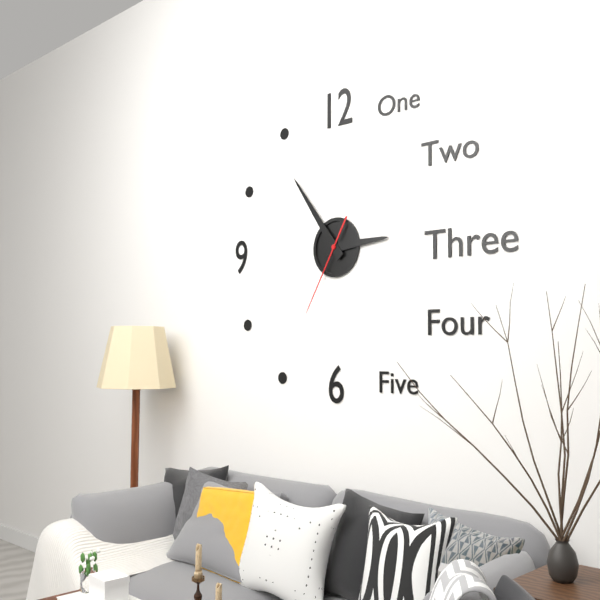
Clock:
2 h 54 min 35 s
